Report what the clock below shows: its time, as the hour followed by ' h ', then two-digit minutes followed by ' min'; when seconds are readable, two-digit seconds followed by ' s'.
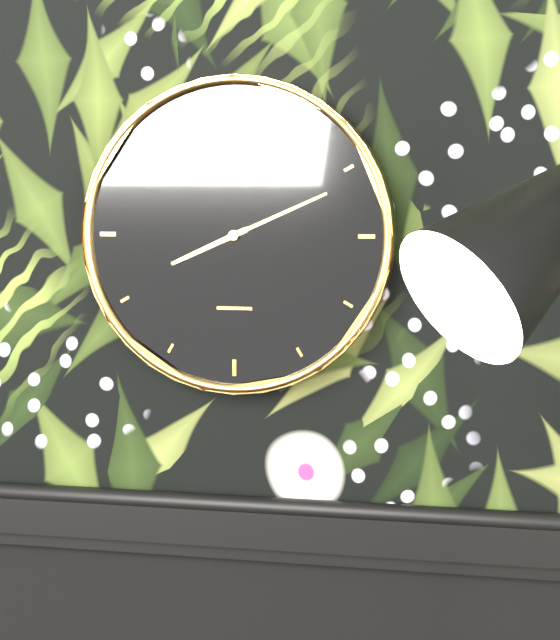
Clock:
8 h 11 min
